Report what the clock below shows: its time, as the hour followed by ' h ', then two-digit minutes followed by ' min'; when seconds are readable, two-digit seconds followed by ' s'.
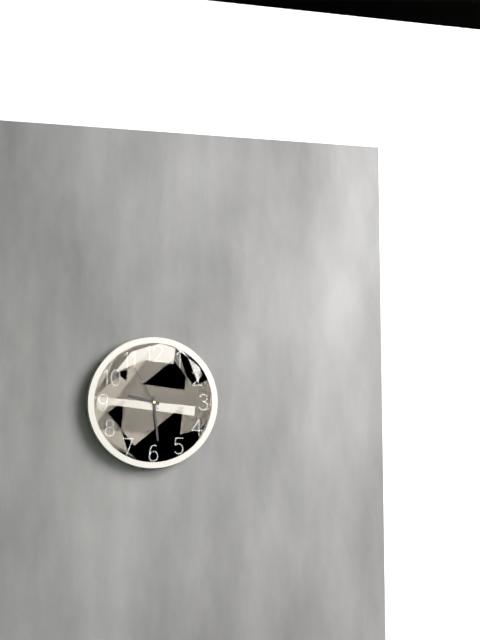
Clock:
9 h 29 min 55 s
